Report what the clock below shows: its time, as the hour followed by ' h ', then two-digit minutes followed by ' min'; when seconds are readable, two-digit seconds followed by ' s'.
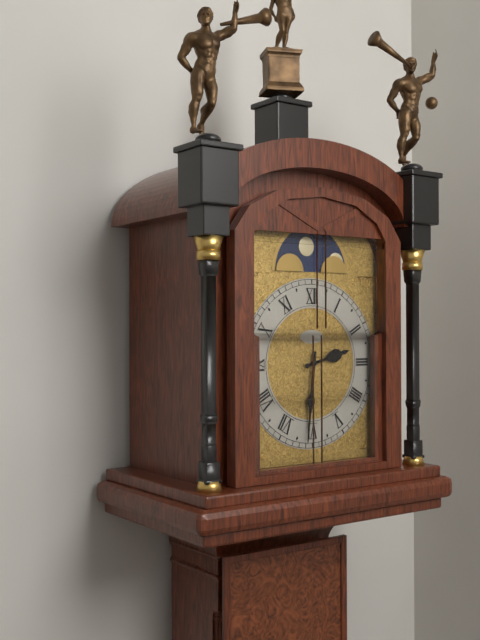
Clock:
2 h 31 min
